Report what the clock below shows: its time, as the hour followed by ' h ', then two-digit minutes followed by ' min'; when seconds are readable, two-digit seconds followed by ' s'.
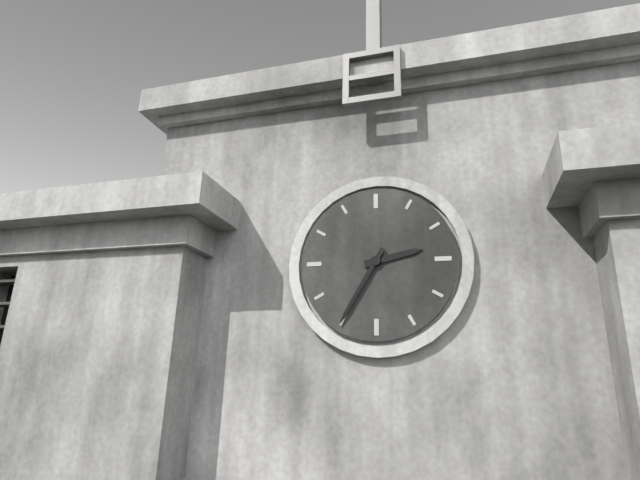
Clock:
2 h 35 min
